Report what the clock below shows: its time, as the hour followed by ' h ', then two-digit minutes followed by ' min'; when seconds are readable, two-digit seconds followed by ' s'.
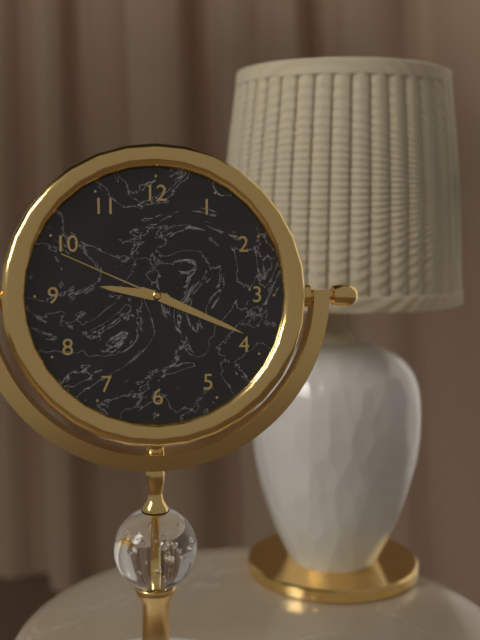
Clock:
9 h 19 min 49 s
